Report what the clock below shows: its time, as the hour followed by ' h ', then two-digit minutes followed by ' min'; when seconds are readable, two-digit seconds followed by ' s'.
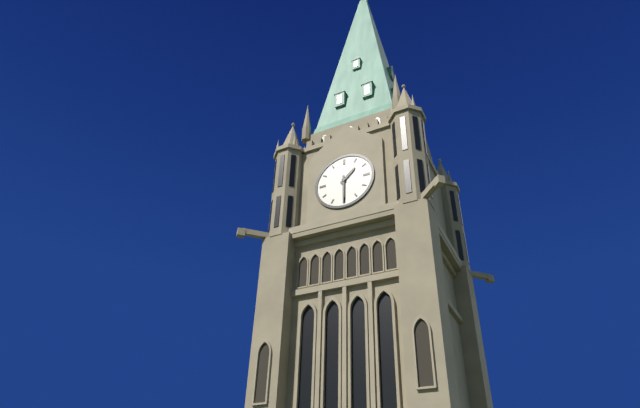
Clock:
1 h 30 min
